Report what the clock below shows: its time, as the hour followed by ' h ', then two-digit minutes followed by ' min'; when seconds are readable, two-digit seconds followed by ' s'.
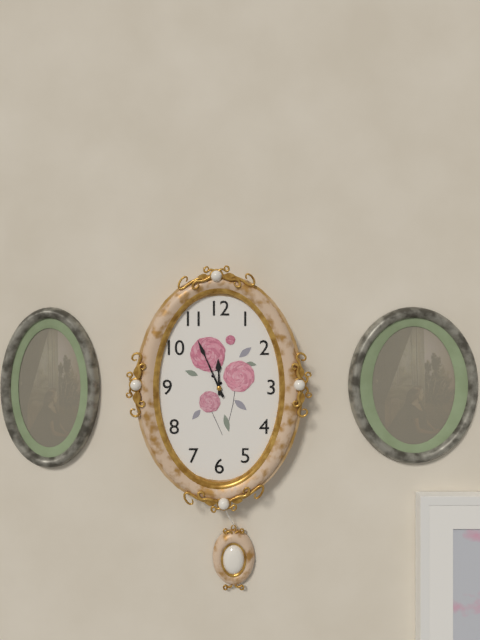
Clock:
11 h 56 min
